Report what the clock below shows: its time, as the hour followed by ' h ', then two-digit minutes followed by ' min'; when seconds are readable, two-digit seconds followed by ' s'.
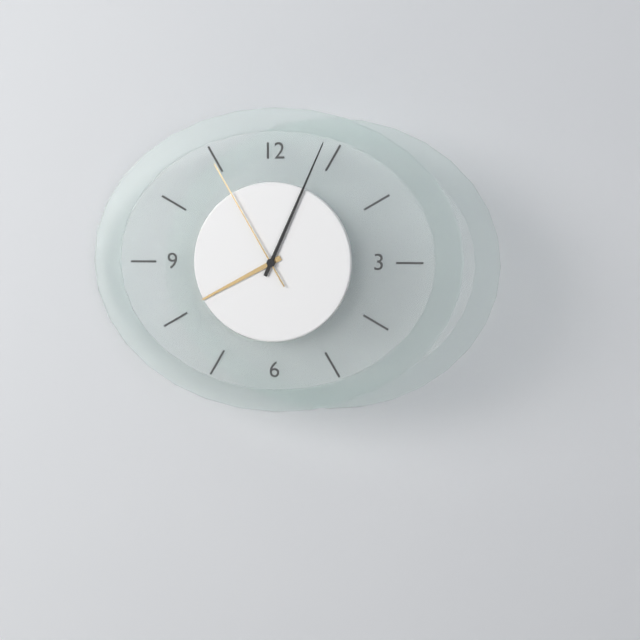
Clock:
8 h 04 min 55 s
